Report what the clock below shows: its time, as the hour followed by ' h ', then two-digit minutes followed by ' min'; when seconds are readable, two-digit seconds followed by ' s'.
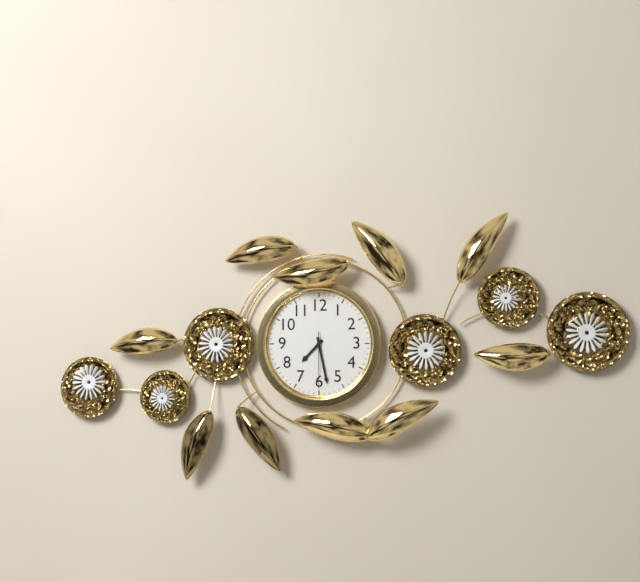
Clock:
7 h 28 min 30 s
